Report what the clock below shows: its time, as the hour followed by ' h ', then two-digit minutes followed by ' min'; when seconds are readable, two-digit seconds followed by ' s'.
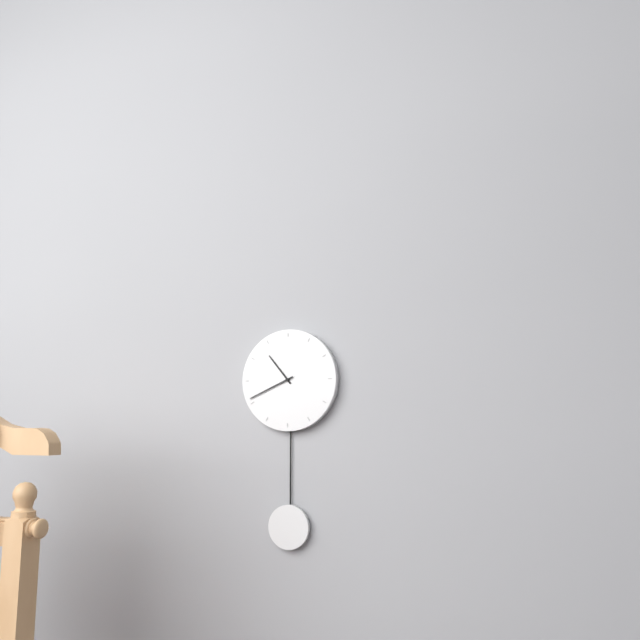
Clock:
10 h 41 min
